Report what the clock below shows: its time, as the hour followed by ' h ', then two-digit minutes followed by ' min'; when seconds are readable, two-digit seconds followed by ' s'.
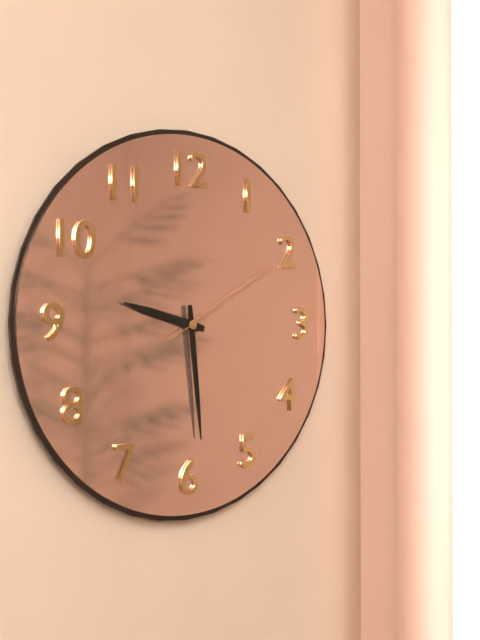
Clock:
9 h 29 min 10 s
